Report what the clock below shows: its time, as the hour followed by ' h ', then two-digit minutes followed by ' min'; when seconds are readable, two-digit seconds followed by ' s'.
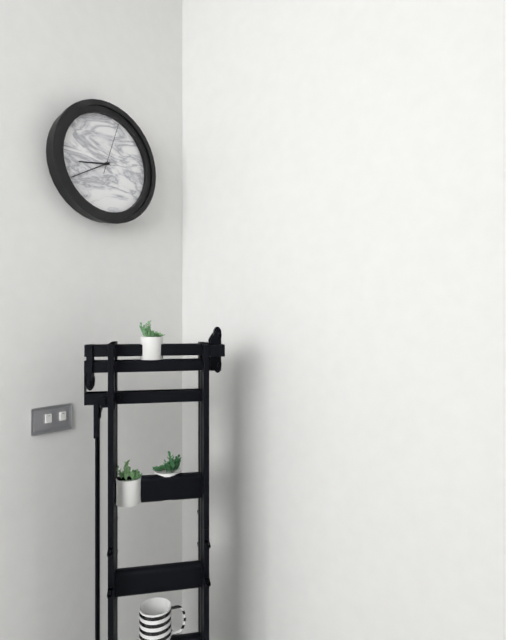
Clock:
8 h 40 min 03 s
